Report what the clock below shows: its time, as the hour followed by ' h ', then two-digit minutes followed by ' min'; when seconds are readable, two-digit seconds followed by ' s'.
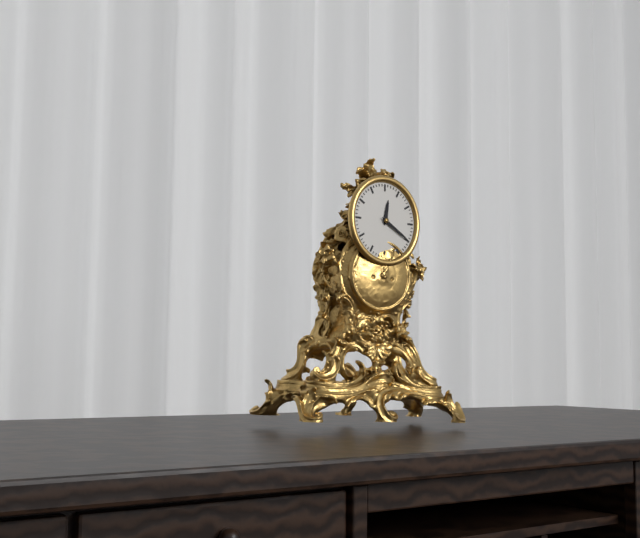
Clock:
12 h 20 min
